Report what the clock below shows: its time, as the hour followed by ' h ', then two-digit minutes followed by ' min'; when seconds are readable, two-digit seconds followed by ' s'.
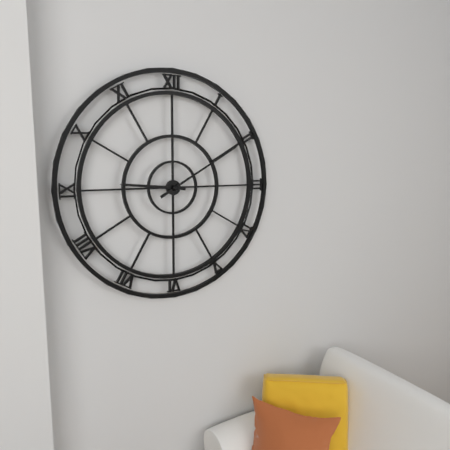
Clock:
9 h 10 min
